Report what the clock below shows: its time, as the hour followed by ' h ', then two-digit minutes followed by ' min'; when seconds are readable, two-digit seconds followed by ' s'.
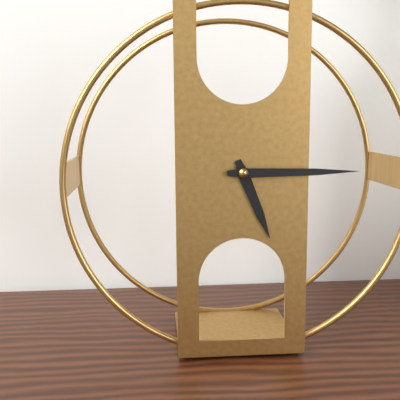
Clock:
5 h 15 min
